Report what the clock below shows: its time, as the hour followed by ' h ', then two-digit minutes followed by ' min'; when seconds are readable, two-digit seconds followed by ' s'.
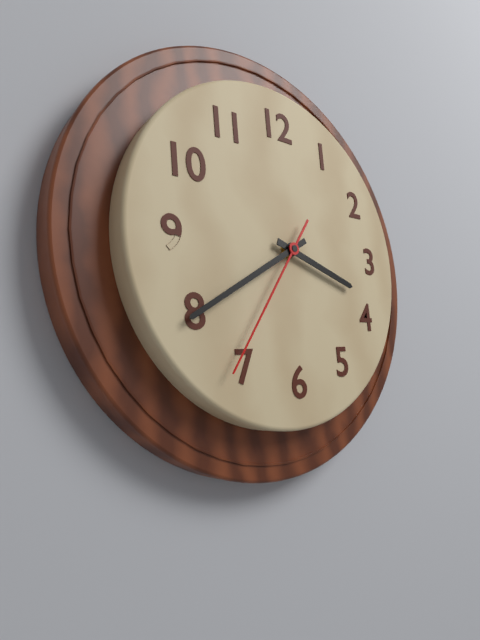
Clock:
3 h 40 min 36 s
